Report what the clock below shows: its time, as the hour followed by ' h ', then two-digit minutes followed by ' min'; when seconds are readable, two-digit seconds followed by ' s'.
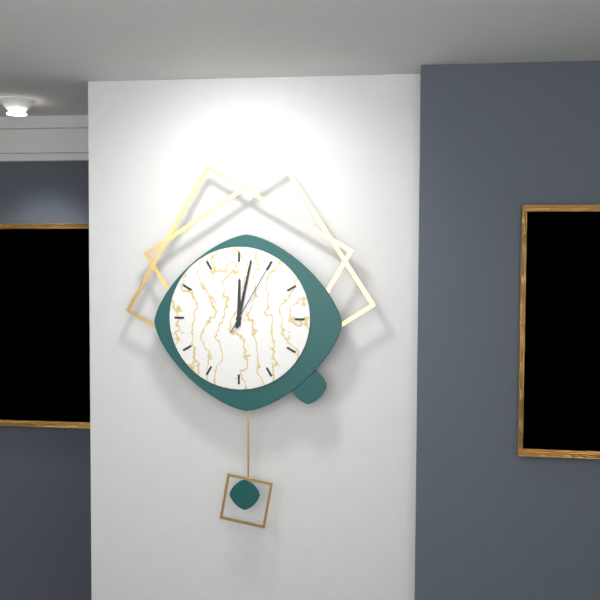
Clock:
12 h 02 min 05 s
